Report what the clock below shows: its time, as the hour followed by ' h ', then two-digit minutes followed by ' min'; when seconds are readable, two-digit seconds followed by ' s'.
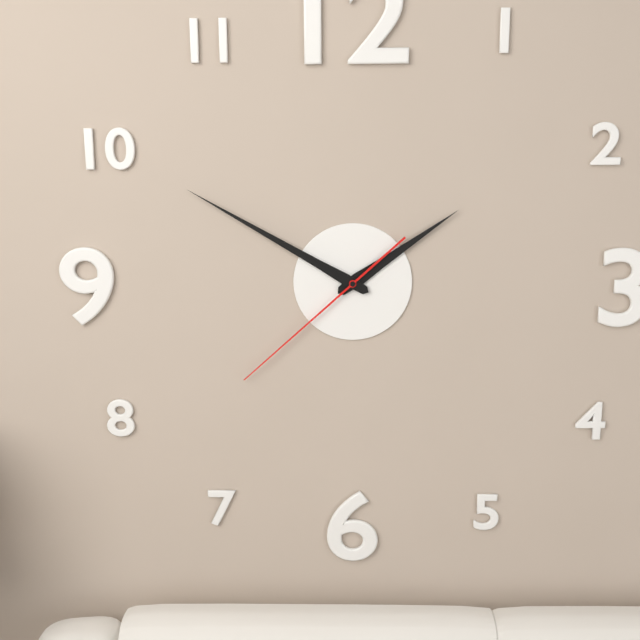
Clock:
1 h 50 min 38 s
